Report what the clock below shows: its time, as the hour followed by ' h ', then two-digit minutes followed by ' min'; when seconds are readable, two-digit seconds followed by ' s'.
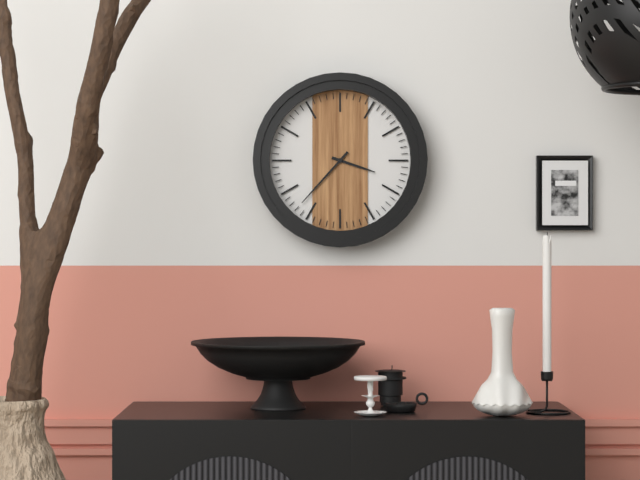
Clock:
3 h 37 min
